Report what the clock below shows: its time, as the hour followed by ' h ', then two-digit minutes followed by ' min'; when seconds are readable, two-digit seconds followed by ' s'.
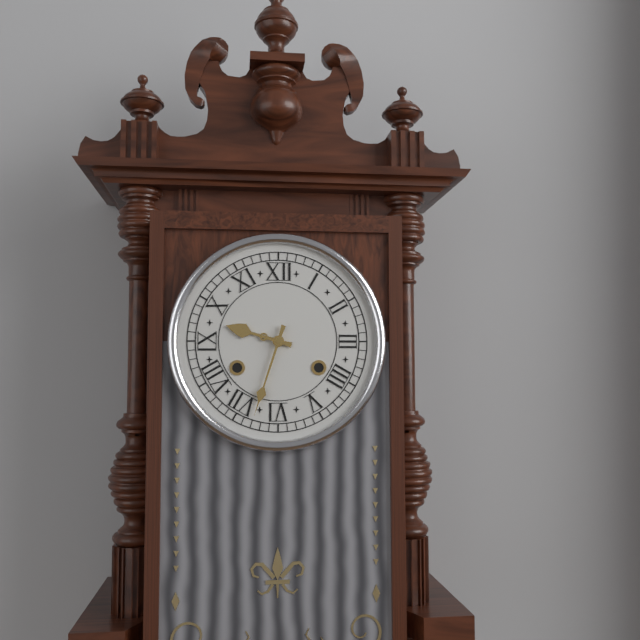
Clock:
9 h 33 min
